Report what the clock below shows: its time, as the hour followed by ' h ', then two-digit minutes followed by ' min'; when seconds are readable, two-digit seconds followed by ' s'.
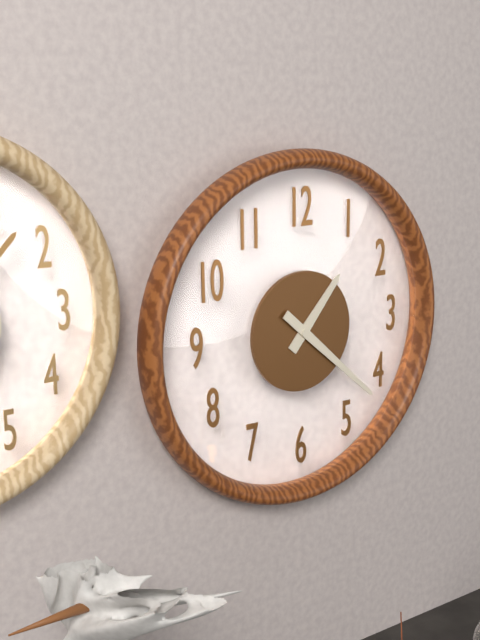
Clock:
1 h 22 min
